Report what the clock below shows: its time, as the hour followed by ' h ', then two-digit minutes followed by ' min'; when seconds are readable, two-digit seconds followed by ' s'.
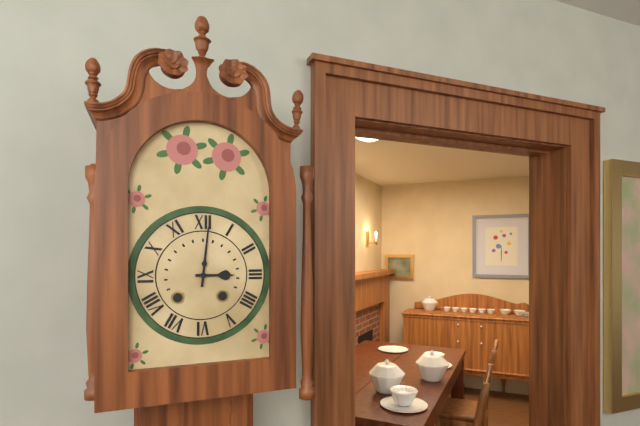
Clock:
3 h 01 min
